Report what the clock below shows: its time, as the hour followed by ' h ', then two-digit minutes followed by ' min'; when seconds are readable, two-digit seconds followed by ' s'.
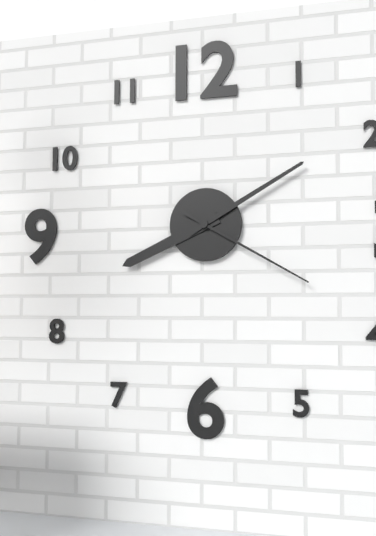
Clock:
8 h 10 min 20 s
